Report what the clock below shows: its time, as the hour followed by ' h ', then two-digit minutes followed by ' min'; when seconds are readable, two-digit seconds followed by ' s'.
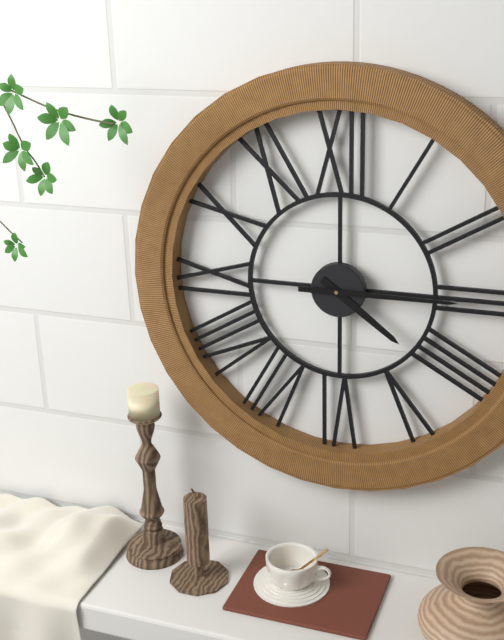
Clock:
4 h 15 min
